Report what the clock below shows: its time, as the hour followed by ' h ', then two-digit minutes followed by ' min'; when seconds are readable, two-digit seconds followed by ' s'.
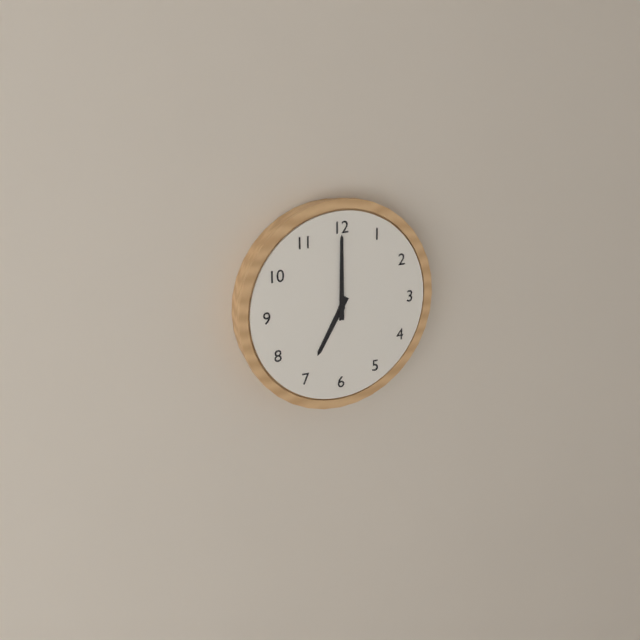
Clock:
7 h 00 min
